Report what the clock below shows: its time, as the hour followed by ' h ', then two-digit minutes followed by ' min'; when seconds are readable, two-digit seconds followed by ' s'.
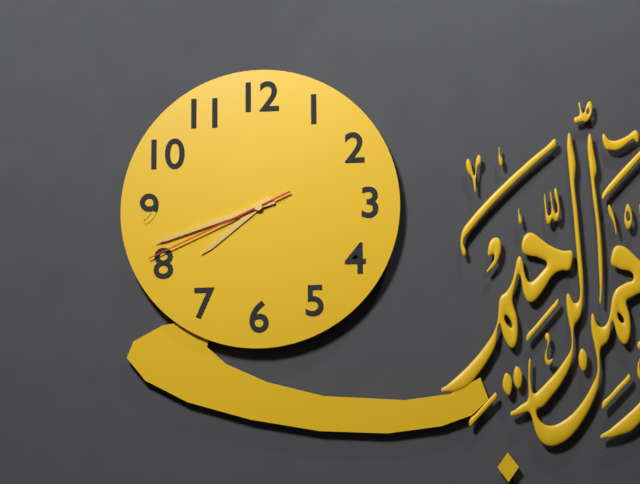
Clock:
7 h 42 min 41 s
